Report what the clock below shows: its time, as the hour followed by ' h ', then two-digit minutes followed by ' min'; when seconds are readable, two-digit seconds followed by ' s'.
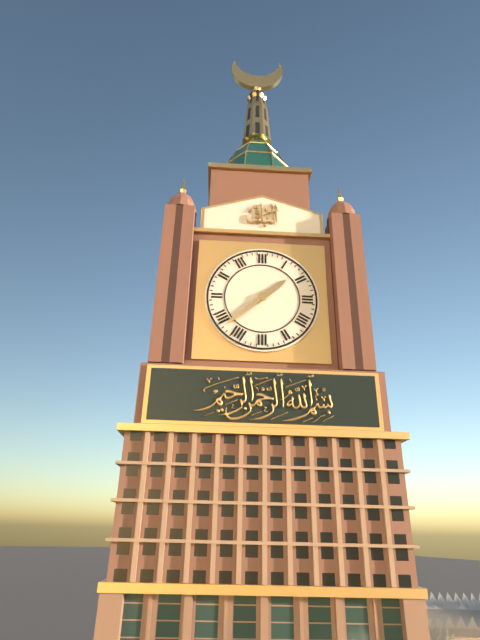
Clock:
1 h 38 min
